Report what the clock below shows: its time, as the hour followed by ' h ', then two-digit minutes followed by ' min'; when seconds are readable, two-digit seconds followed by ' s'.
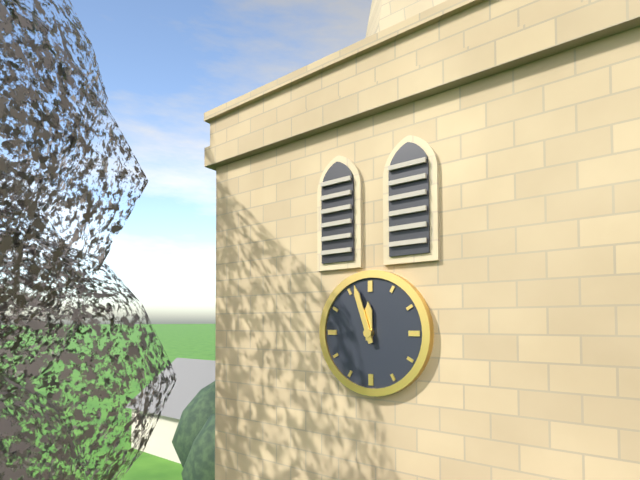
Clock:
11 h 57 min
